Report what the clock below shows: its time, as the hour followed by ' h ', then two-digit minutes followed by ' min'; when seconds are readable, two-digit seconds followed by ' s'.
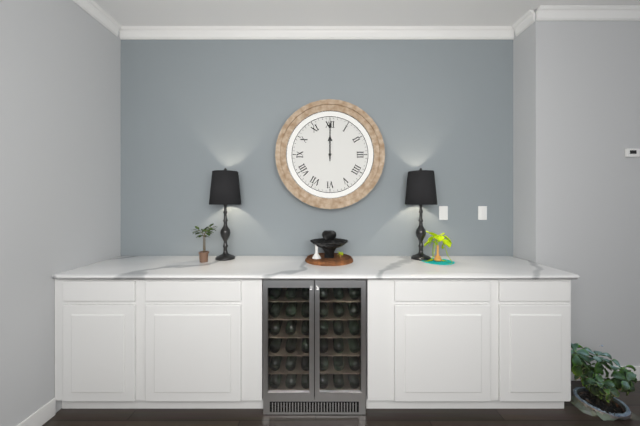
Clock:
12 h 00 min
